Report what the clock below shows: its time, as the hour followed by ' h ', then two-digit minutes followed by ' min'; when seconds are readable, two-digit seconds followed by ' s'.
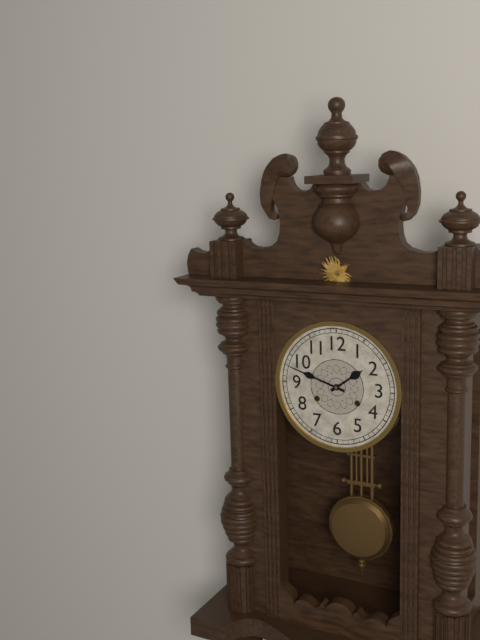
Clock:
1 h 48 min
